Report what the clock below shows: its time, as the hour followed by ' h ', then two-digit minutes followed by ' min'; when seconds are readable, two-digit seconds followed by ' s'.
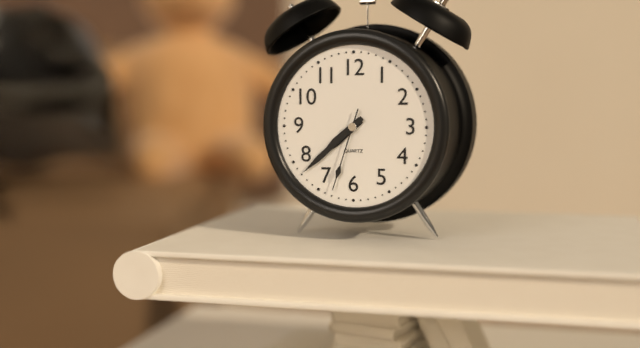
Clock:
7 h 38 min 33 s
